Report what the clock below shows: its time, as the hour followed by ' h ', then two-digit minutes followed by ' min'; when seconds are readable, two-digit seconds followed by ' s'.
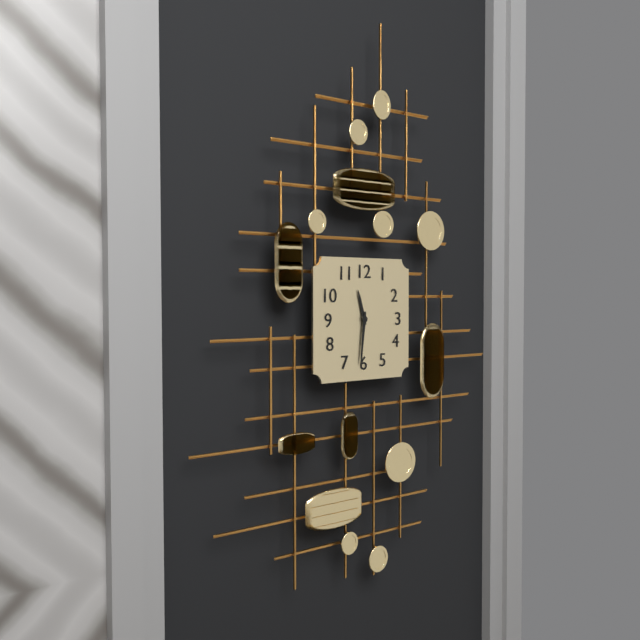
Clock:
11 h 31 min
